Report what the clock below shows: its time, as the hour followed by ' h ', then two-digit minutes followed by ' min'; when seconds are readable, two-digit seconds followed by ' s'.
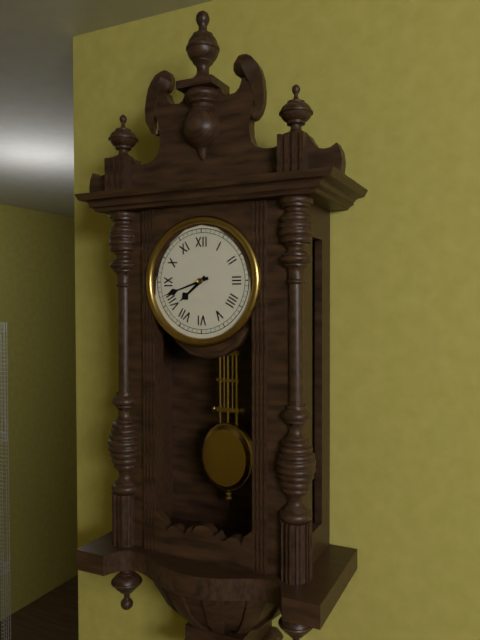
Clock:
7 h 42 min
